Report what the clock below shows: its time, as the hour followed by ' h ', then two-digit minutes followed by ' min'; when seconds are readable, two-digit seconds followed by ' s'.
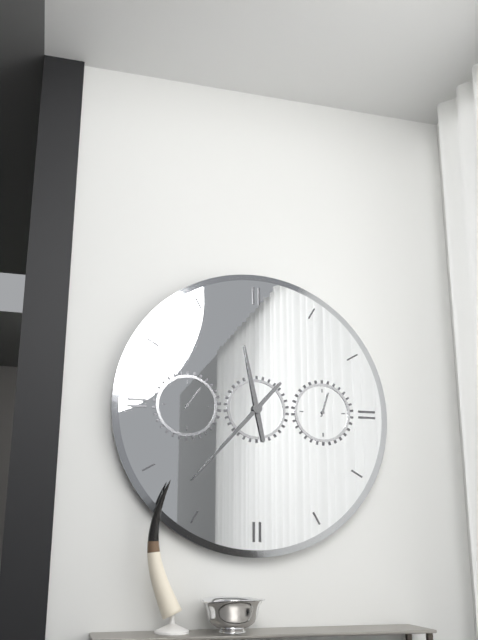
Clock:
11 h 37 min
